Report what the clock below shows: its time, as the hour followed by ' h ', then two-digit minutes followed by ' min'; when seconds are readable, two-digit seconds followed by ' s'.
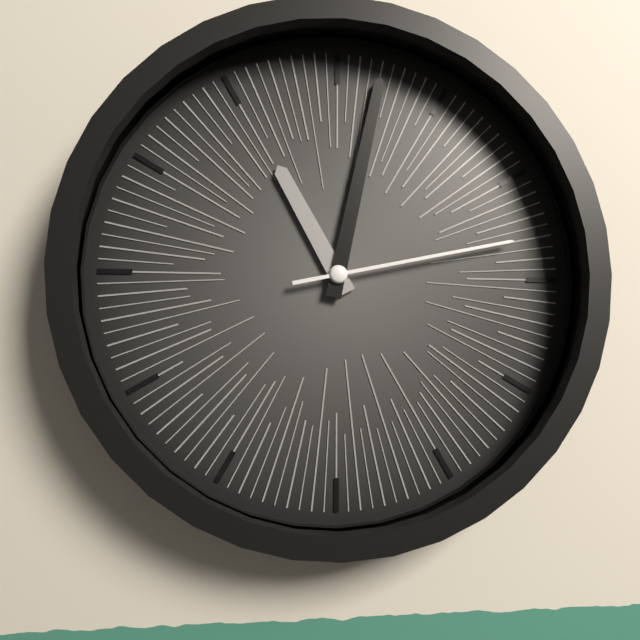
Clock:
11 h 02 min 13 s
